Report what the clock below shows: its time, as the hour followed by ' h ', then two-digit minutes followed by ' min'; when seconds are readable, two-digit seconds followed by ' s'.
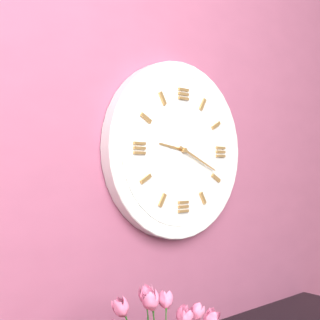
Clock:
9 h 19 min
